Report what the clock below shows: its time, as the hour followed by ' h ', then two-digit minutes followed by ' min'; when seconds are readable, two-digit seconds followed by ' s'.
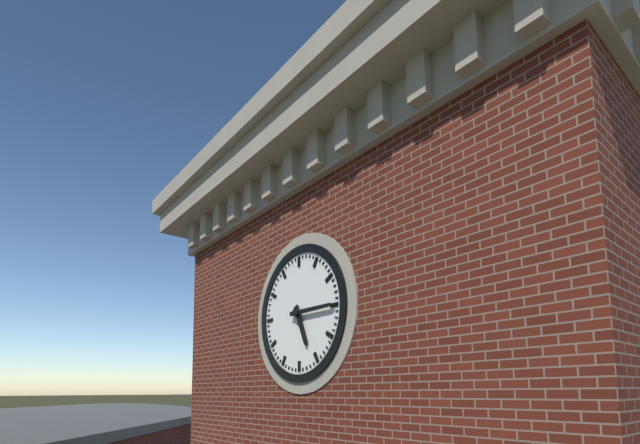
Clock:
5 h 15 min
